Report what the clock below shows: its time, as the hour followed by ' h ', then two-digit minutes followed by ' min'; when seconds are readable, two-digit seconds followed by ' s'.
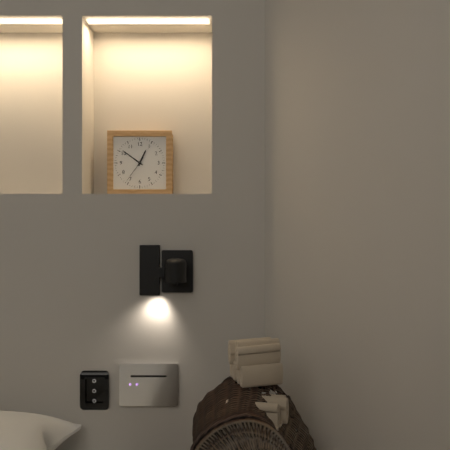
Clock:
12 h 51 min
